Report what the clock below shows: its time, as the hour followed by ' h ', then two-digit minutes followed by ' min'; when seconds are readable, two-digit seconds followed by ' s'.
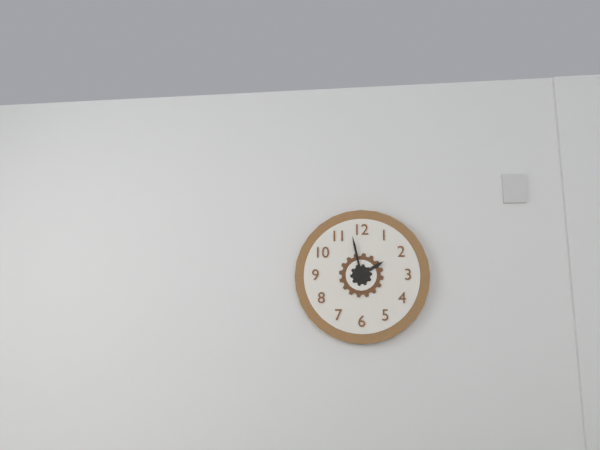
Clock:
1 h 58 min
